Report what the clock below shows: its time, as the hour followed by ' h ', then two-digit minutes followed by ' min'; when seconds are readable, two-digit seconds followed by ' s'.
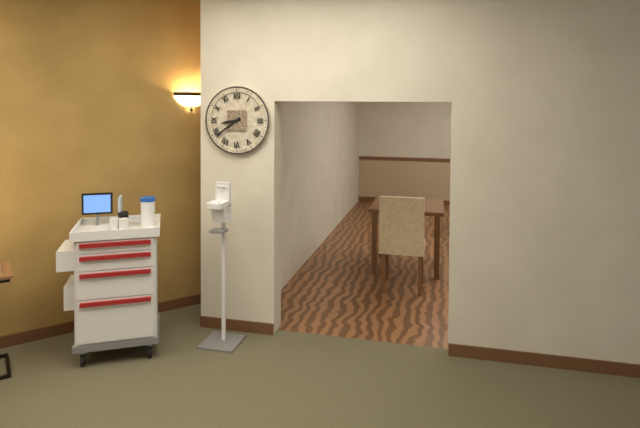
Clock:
8 h 39 min
